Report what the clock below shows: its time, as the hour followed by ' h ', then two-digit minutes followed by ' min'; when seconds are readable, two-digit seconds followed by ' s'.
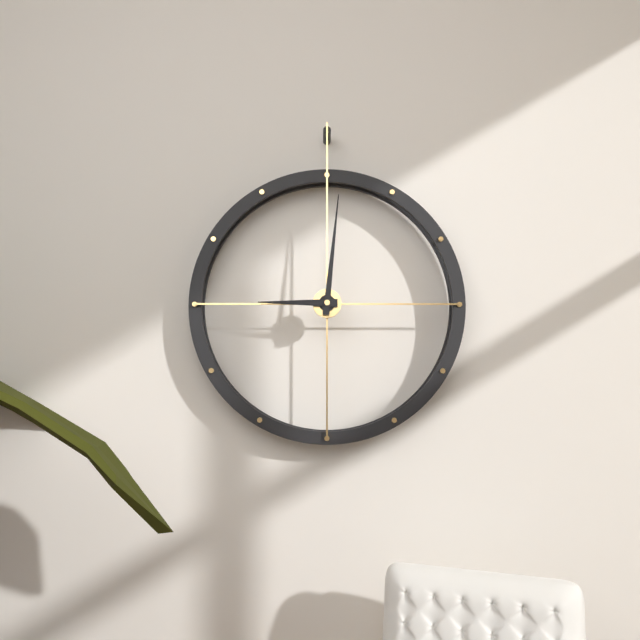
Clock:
9 h 01 min
